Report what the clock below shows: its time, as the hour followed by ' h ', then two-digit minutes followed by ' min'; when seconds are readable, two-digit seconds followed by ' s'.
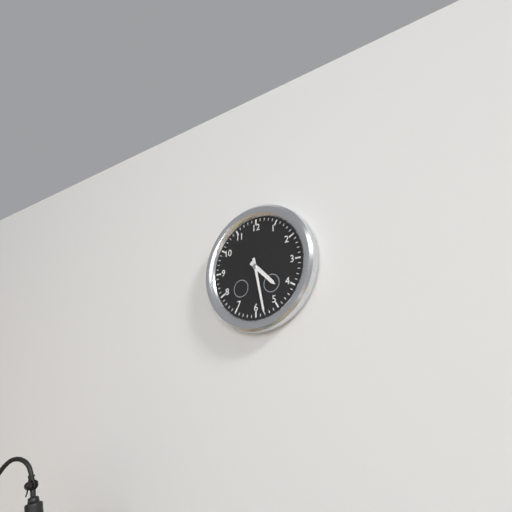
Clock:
4 h 28 min
